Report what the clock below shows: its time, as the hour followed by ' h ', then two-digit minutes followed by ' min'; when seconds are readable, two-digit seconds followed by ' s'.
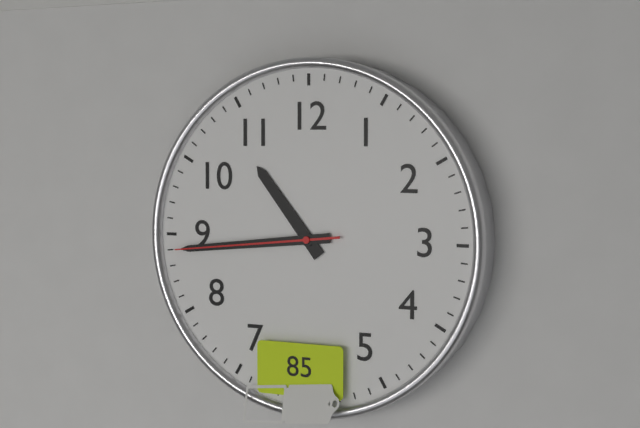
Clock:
10 h 44 min 44 s
